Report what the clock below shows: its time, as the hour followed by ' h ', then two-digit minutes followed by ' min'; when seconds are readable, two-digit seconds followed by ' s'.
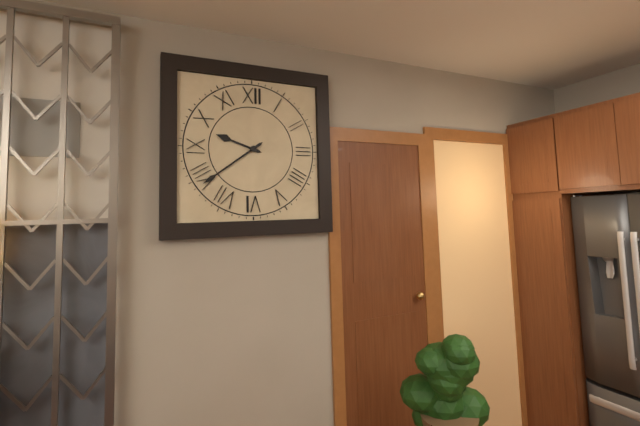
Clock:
9 h 39 min
